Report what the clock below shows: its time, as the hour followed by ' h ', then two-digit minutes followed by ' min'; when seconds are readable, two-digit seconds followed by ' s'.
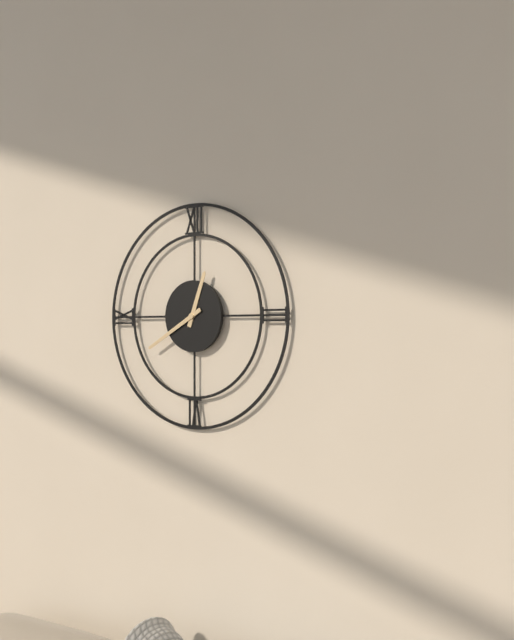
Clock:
12 h 40 min
